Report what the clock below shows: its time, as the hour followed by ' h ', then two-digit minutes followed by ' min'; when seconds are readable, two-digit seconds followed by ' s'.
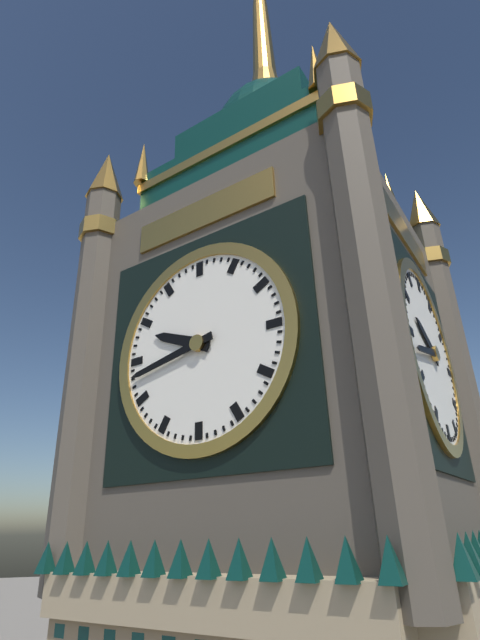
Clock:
9 h 43 min
